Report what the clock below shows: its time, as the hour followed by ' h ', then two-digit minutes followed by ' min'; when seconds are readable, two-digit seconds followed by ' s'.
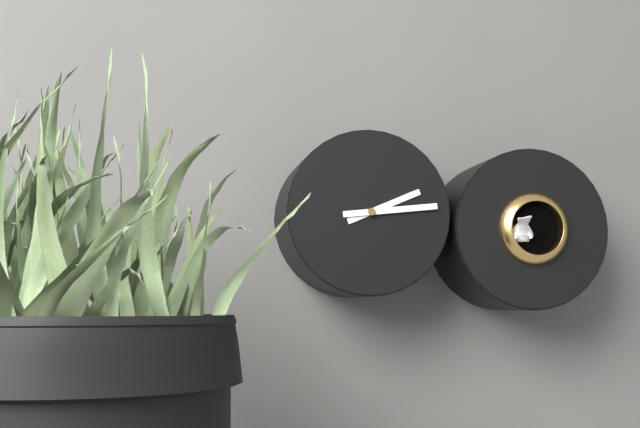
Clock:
2 h 14 min
